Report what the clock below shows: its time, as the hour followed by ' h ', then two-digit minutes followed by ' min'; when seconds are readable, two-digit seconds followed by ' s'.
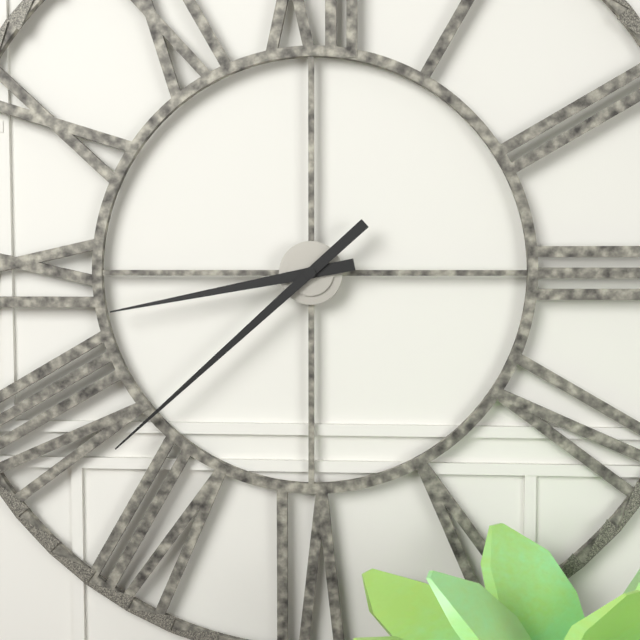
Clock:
8 h 38 min
